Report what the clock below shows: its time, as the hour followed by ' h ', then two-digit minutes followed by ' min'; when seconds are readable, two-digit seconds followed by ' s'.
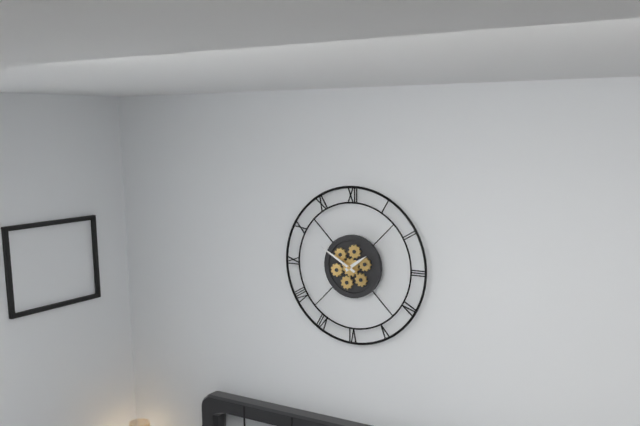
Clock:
1 h 50 min
